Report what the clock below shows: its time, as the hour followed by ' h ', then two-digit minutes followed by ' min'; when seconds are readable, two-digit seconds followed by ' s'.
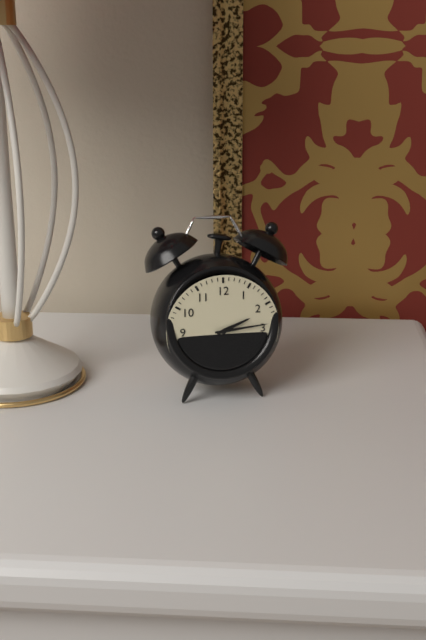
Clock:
2 h 14 min
